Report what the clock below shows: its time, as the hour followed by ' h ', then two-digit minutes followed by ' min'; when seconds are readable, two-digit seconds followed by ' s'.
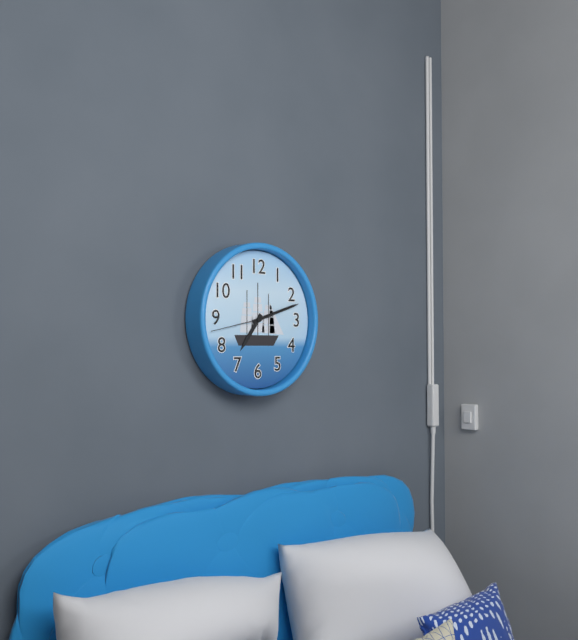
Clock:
7 h 12 min 43 s
